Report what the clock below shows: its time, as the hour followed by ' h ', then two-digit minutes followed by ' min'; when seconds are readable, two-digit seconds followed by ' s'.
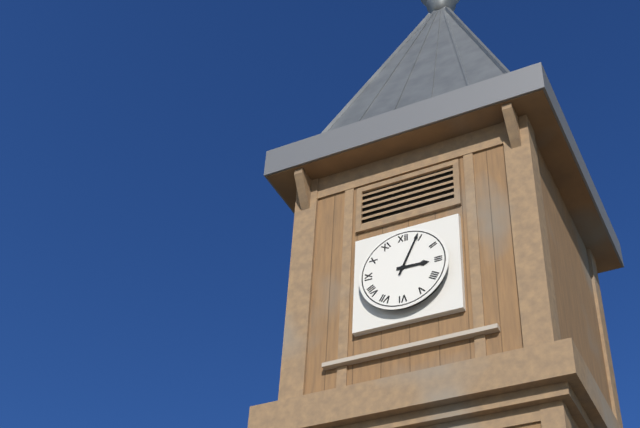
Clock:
3 h 04 min
